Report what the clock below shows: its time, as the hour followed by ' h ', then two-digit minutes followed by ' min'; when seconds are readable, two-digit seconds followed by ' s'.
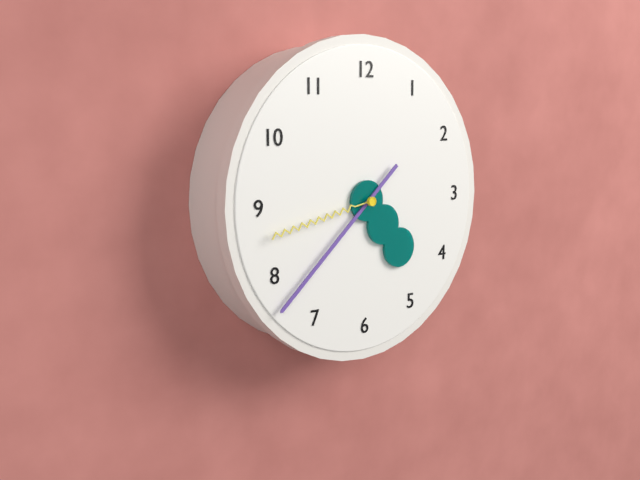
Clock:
4 h 38 min 43 s
